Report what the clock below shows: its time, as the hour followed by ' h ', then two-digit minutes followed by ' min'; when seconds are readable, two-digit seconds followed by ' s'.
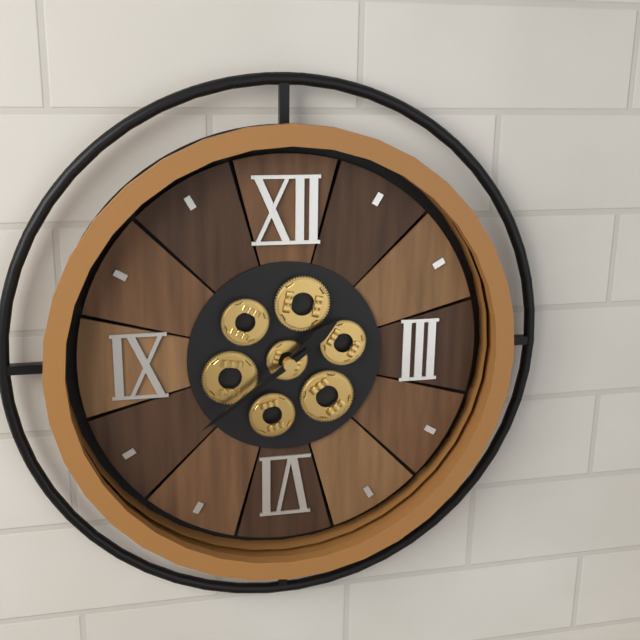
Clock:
1 h 39 min
